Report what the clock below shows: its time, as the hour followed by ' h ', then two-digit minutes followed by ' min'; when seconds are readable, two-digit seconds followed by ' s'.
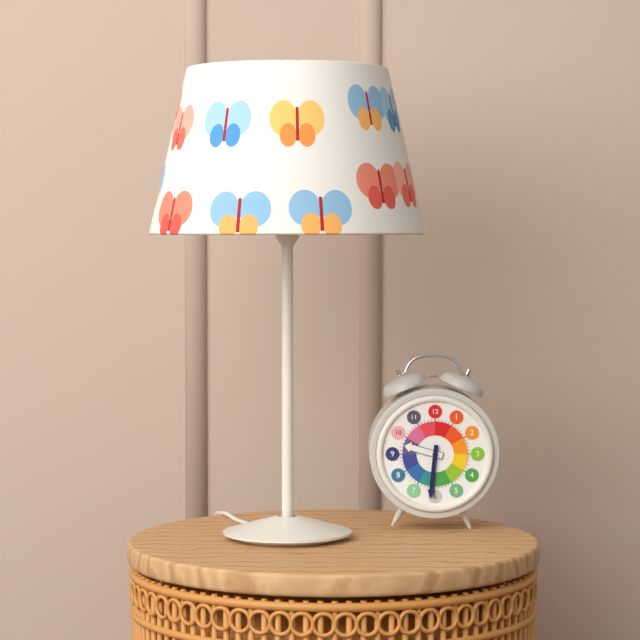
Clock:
9 h 31 min
